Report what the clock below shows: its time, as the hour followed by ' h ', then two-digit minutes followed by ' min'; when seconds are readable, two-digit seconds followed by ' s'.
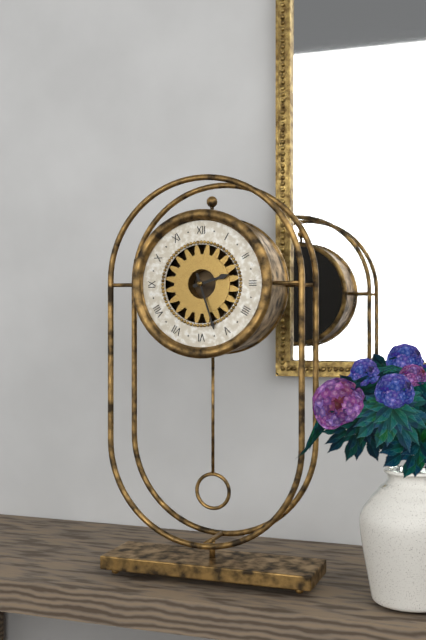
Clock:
2 h 27 min
